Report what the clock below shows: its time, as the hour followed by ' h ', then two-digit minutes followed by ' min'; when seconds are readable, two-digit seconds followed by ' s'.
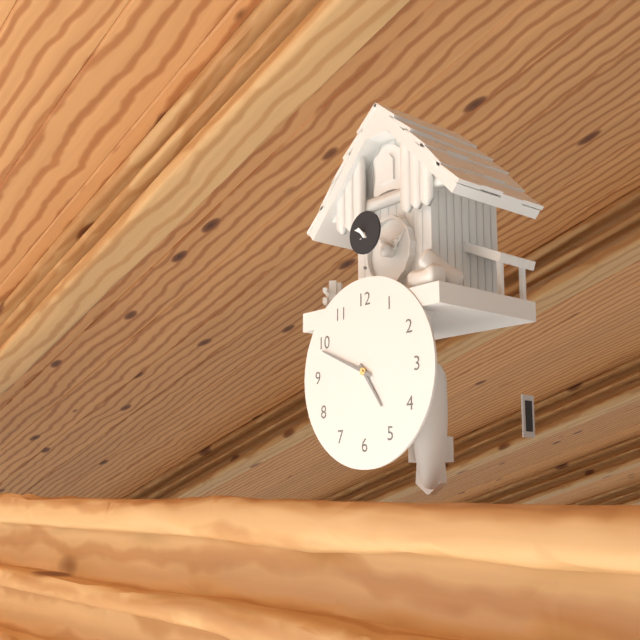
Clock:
4 h 49 min
